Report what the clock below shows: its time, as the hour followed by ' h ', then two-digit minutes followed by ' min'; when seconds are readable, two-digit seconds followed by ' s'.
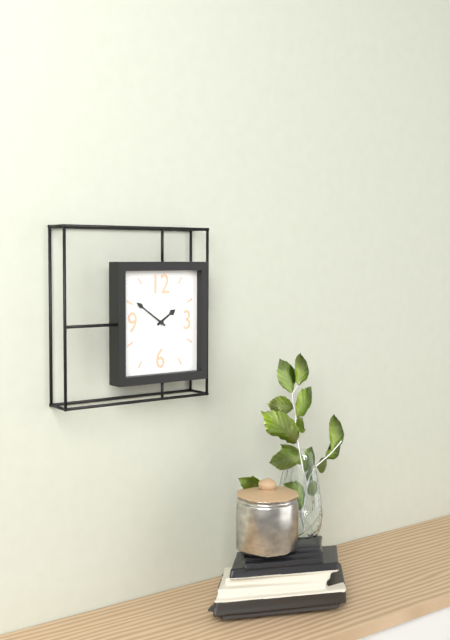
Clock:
1 h 51 min
